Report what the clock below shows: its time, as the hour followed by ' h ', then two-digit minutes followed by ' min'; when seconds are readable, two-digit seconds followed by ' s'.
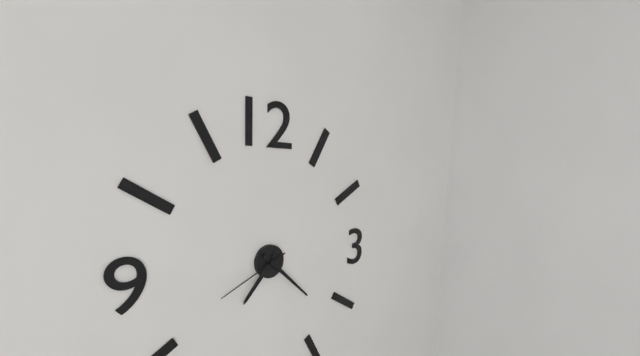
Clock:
7 h 22 min 41 s
